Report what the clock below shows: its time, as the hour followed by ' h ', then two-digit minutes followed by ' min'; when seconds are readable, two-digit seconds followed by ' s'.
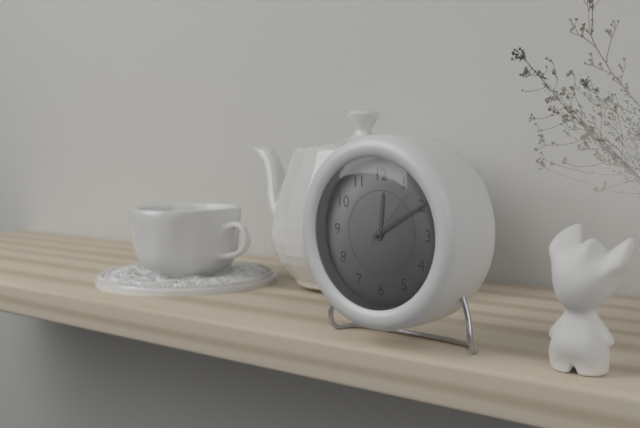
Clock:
12 h 10 min
